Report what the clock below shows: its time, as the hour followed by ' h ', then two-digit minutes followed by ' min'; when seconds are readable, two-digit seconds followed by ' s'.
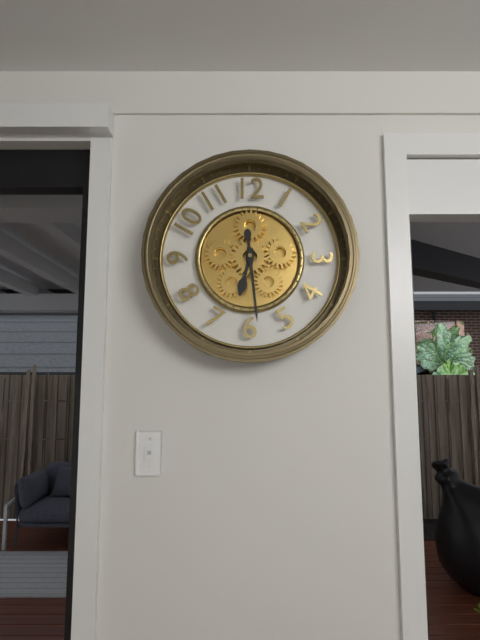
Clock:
6 h 29 min
